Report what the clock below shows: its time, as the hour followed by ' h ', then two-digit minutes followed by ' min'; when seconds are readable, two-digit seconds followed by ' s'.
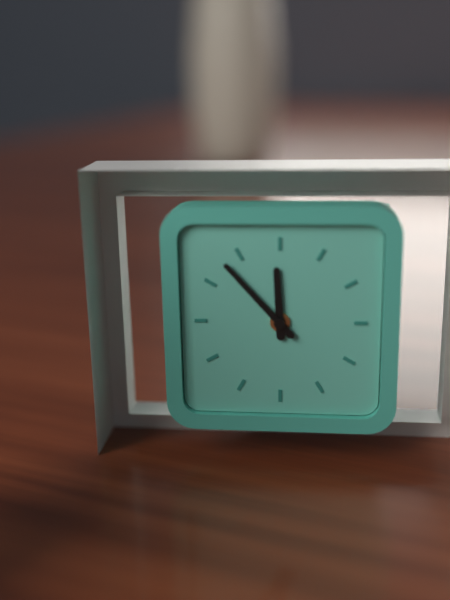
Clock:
11 h 53 min
